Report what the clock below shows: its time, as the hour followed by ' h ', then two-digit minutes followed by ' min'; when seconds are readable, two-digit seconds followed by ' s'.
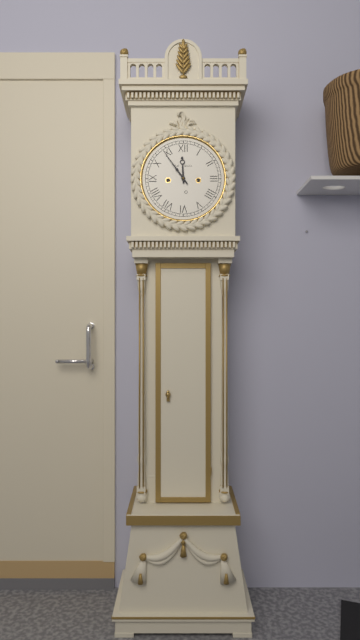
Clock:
11 h 54 min
